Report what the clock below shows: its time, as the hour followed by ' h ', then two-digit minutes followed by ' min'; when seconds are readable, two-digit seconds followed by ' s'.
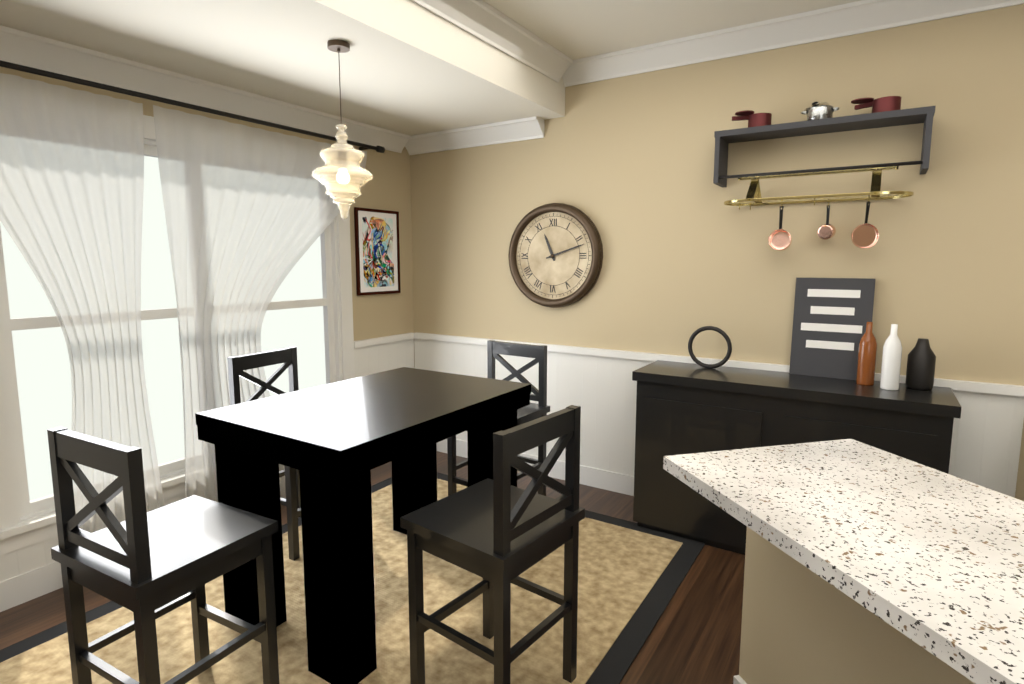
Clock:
11 h 12 min
